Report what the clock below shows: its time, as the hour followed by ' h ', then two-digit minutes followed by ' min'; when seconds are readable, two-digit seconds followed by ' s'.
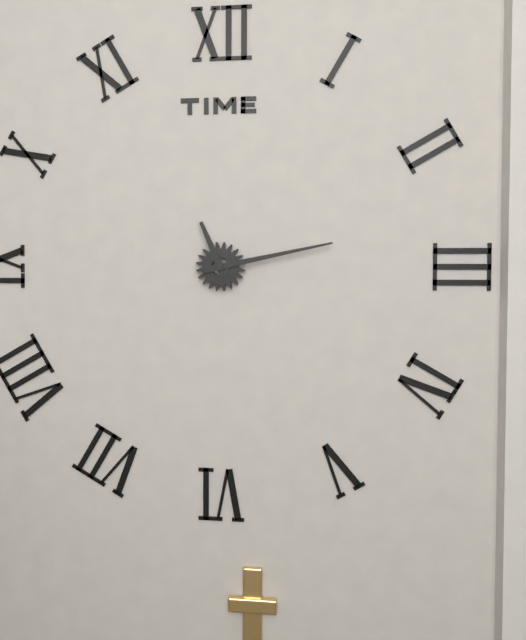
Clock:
11 h 13 min
